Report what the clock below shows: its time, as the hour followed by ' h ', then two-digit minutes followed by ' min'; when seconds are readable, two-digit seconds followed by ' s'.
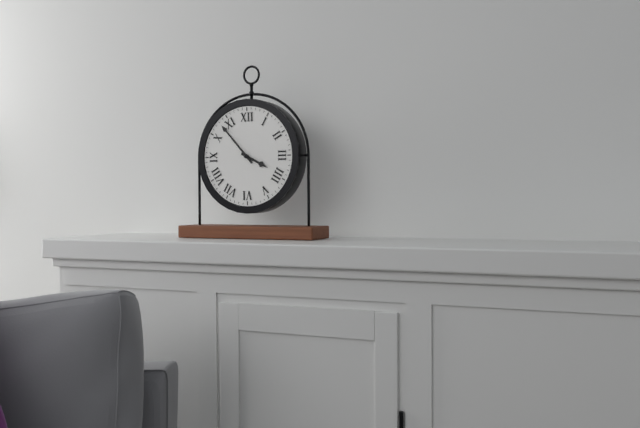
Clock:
3 h 53 min
